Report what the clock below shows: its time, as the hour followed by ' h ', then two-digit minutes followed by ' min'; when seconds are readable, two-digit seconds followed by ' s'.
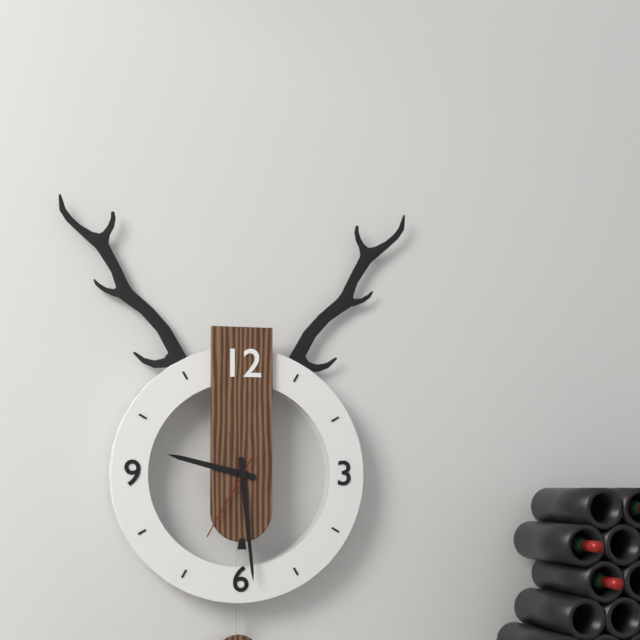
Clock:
9 h 29 min 35 s
